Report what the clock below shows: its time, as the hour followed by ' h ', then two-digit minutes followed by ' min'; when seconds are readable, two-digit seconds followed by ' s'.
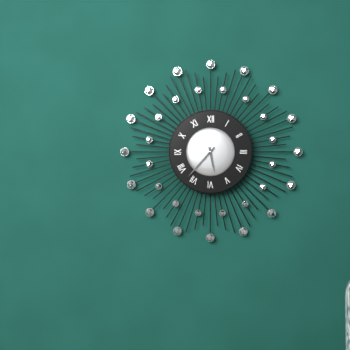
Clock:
5 h 37 min
